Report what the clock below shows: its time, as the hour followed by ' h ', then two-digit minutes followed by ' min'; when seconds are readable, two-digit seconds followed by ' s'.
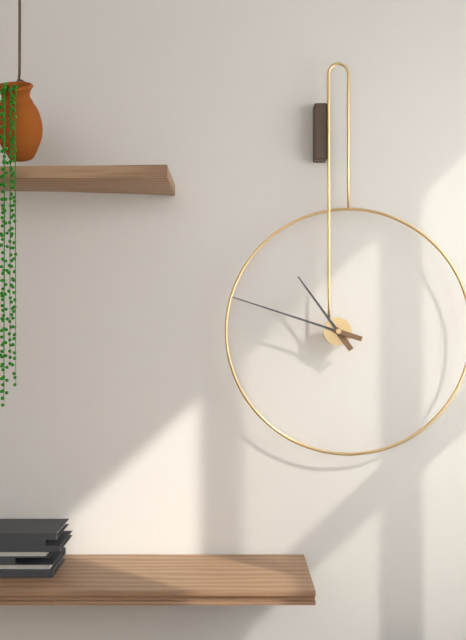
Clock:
10 h 48 min
